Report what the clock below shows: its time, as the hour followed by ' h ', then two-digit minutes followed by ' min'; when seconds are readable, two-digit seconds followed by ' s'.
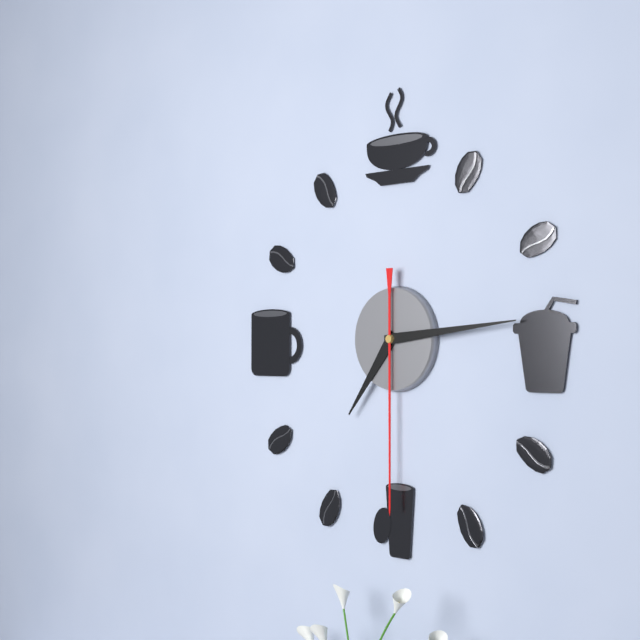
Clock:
7 h 14 min 30 s
